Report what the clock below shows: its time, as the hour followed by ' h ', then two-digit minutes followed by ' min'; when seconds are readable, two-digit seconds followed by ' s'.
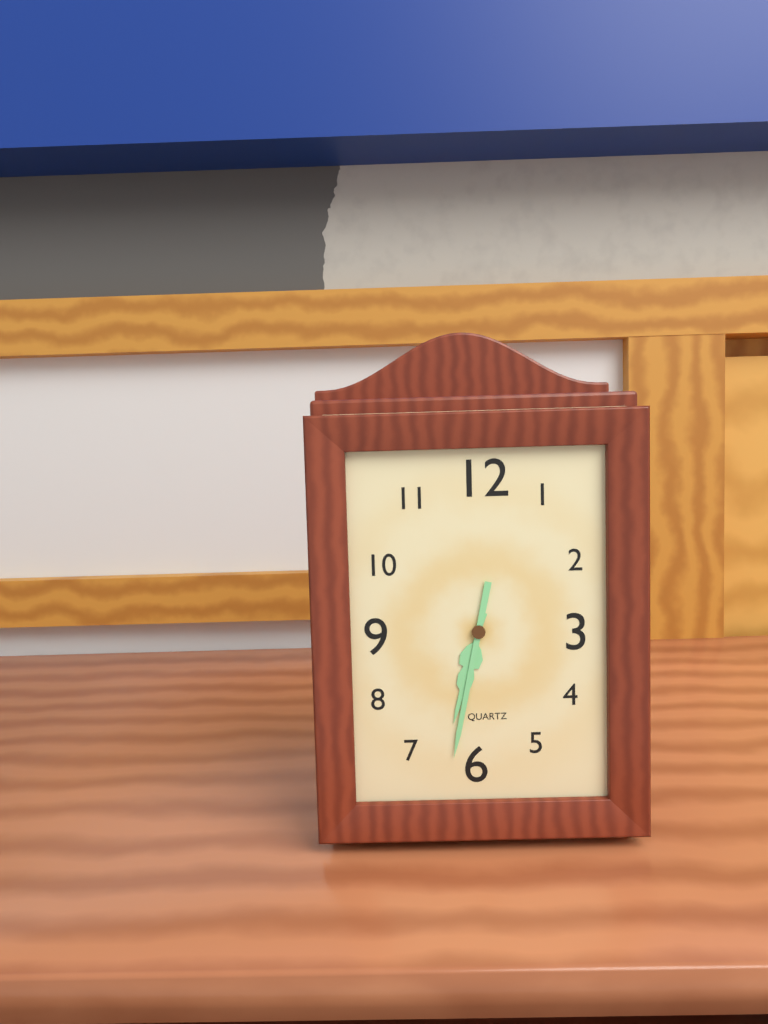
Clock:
6 h 32 min
